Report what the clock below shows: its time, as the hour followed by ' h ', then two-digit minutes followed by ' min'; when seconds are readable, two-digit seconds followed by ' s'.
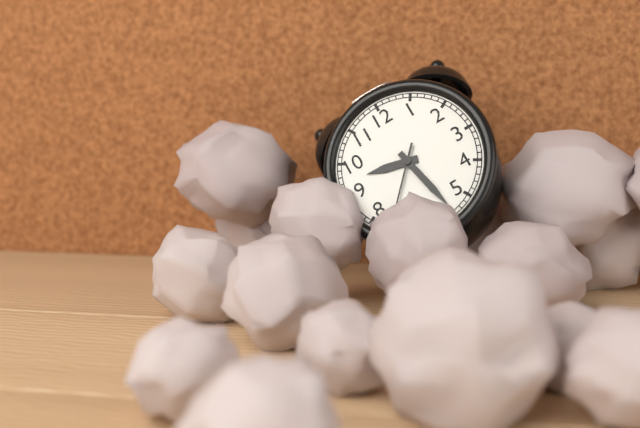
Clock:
9 h 28 min 37 s
